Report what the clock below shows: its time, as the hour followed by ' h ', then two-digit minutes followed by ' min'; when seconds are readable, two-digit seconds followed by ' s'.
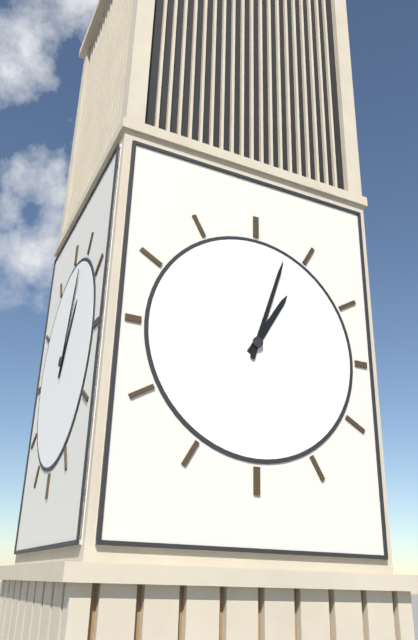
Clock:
1 h 03 min
